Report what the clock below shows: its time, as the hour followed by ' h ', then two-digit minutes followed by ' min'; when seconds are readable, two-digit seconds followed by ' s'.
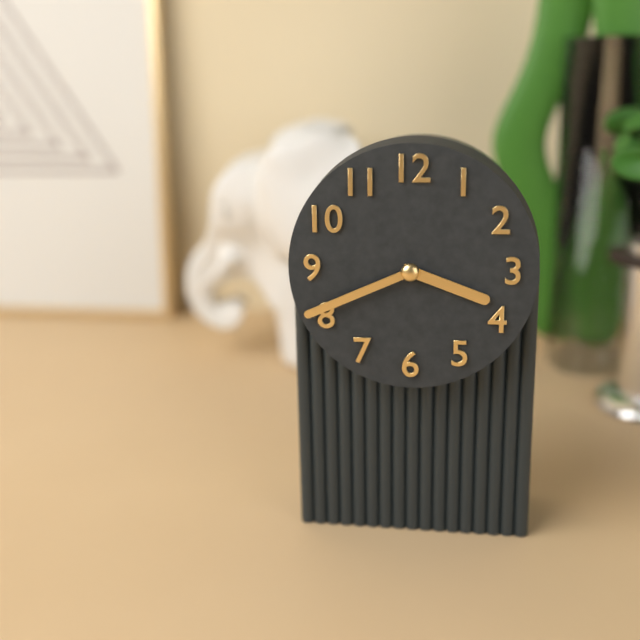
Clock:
3 h 41 min
